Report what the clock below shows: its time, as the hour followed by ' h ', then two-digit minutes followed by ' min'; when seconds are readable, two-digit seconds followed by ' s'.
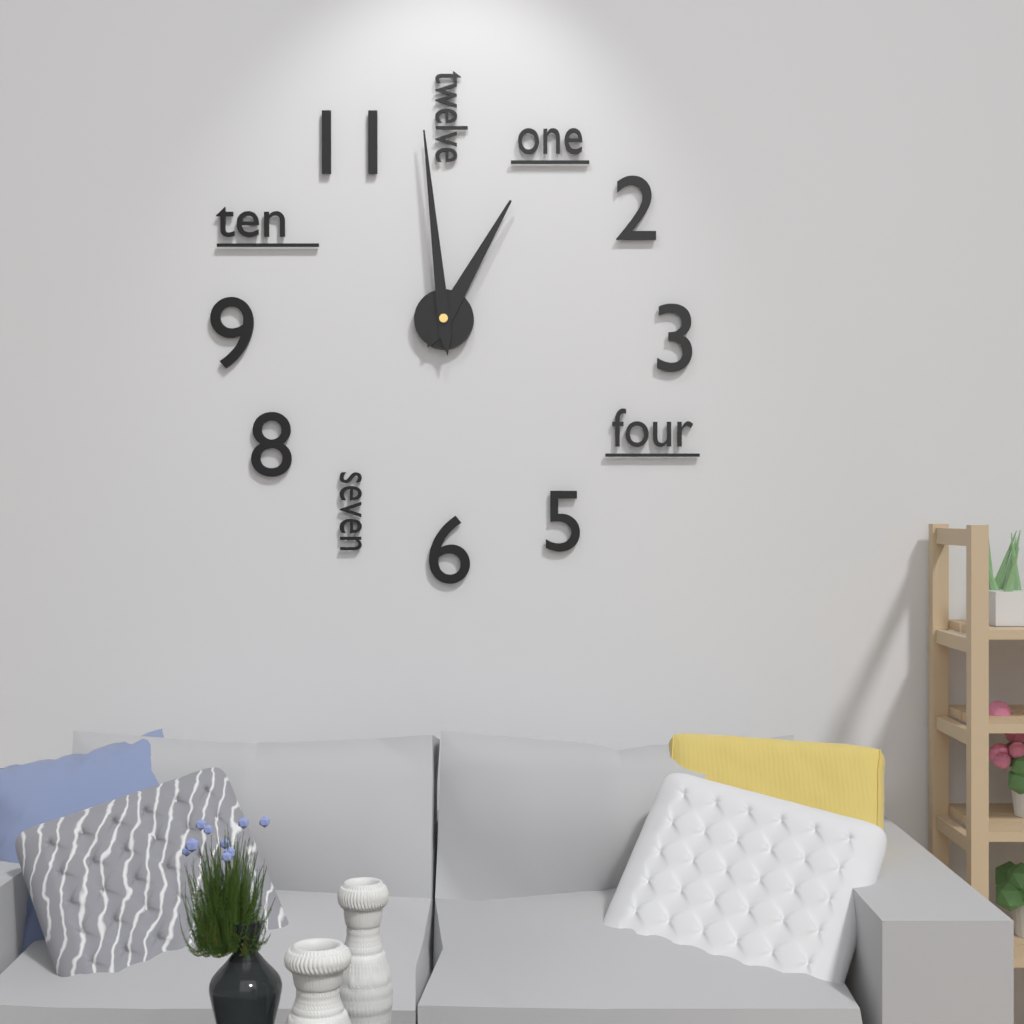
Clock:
12 h 59 min
